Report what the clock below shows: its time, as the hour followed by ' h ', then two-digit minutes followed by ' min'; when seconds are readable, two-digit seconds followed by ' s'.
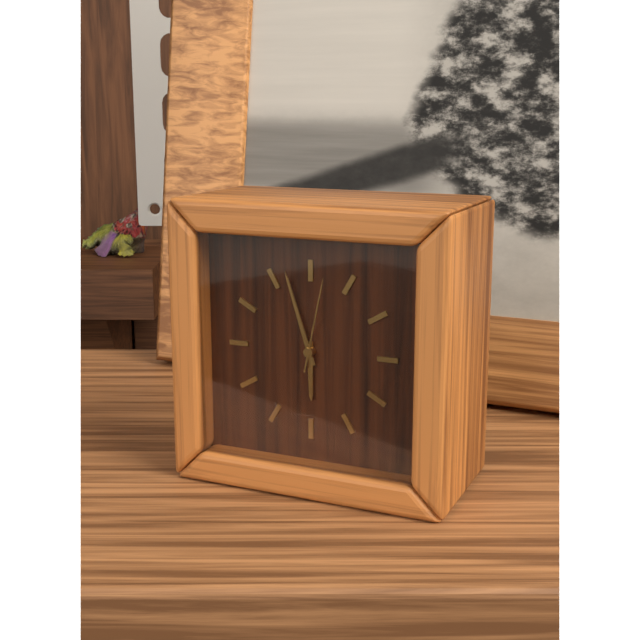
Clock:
5 h 57 min 02 s
